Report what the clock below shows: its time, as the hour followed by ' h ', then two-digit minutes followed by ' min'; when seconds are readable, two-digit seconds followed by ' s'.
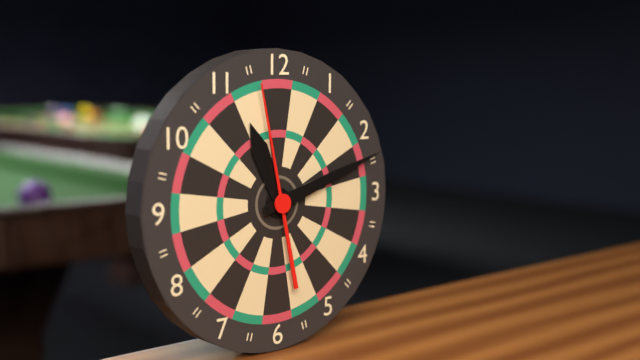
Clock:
11 h 12 min 58 s
